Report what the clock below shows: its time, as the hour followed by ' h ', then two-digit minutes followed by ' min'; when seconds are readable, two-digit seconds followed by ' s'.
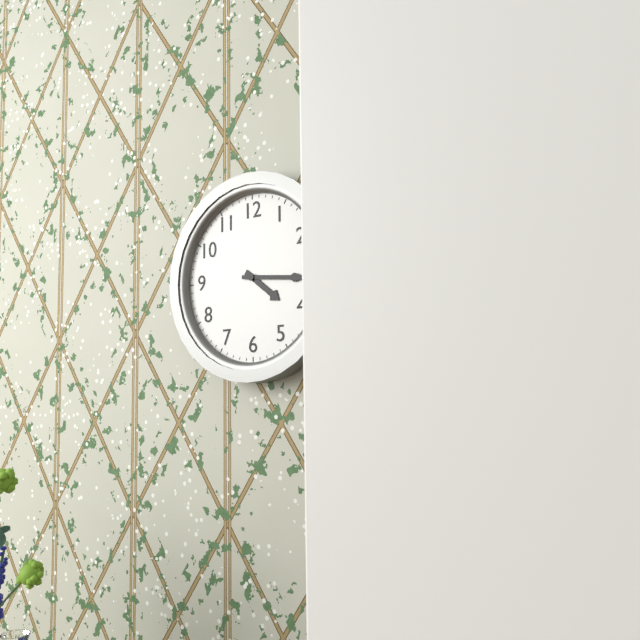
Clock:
4 h 16 min
